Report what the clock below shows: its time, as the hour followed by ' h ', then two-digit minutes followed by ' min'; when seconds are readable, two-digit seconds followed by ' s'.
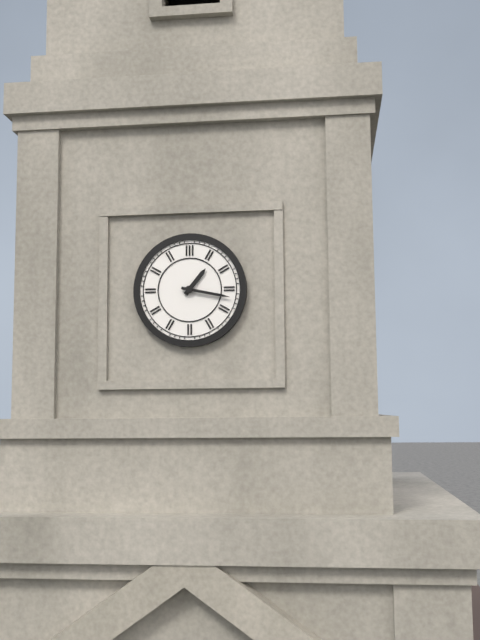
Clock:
1 h 17 min
